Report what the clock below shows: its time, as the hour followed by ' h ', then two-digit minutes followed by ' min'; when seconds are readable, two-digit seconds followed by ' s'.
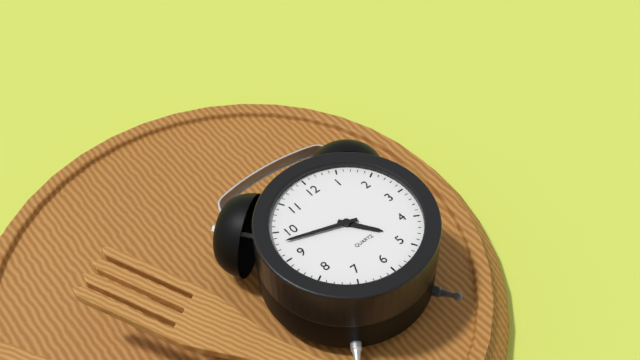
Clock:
4 h 48 min
